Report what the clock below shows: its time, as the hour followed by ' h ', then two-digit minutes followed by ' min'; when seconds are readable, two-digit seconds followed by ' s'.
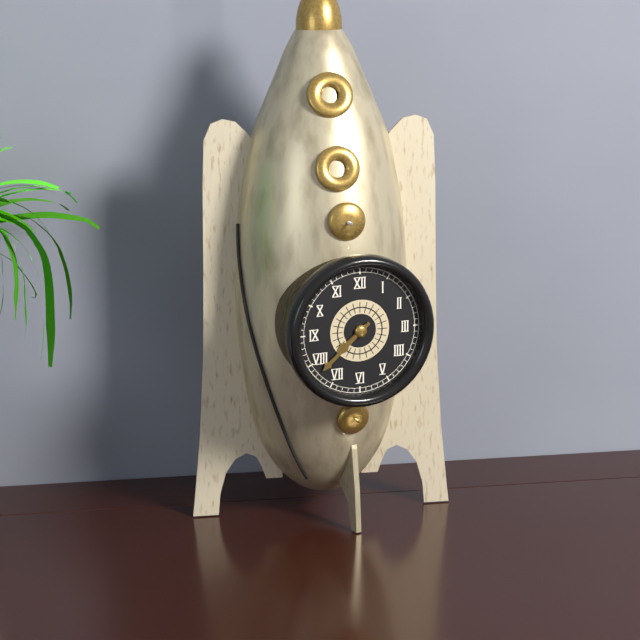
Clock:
7 h 38 min
